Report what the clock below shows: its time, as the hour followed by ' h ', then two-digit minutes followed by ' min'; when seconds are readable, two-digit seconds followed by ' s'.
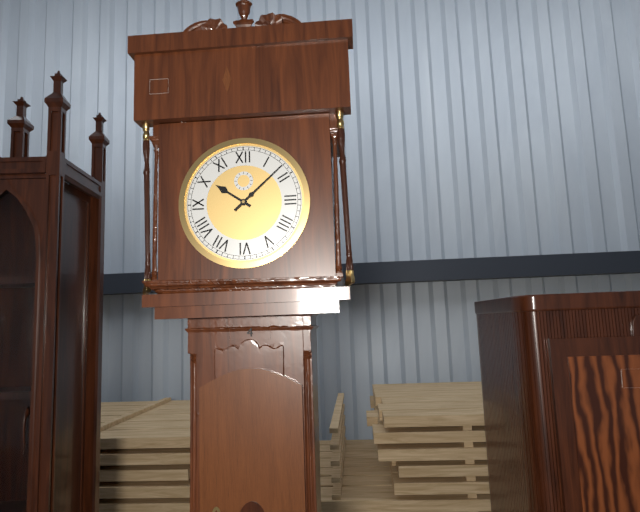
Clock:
10 h 08 min
